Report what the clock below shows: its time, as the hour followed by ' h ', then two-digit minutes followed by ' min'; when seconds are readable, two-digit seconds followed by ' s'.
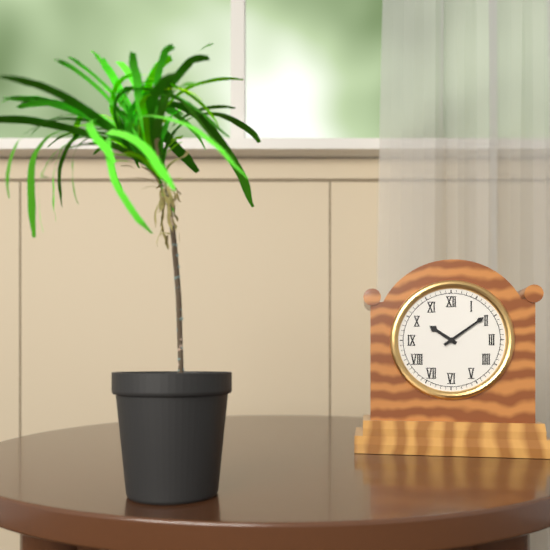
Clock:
10 h 09 min
